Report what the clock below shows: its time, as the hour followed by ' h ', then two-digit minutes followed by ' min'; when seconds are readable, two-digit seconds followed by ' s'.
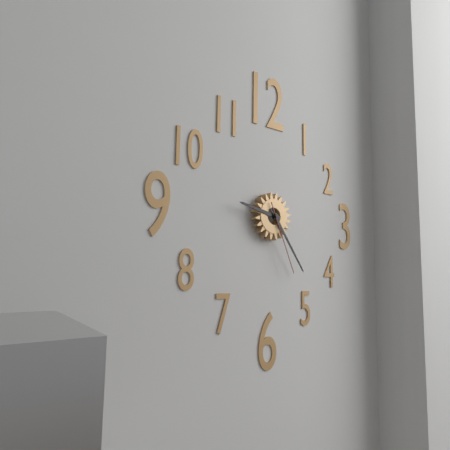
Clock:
9 h 24 min 26 s
